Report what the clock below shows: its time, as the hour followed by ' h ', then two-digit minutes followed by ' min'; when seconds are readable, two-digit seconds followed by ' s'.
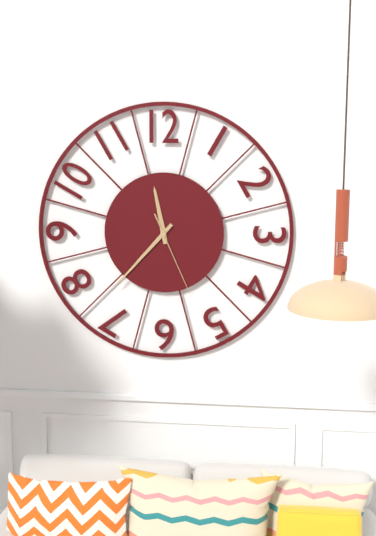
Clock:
11 h 37 min 26 s
